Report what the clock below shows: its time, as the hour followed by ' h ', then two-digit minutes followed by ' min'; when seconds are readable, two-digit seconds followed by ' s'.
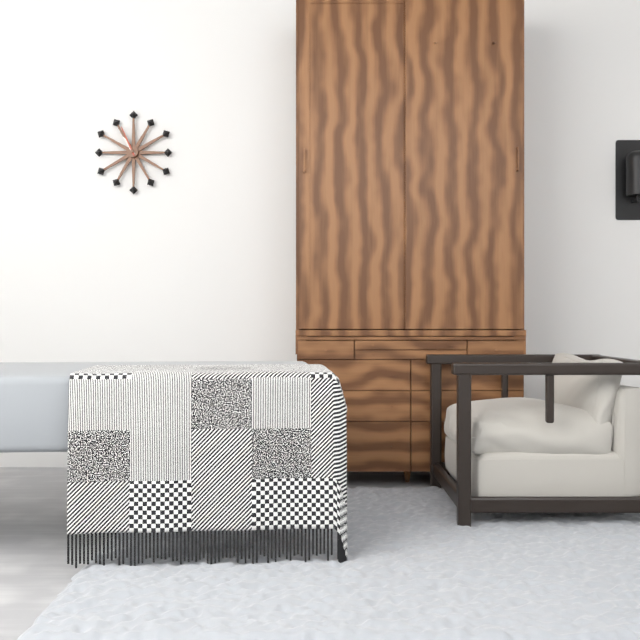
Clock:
10 h 56 min
